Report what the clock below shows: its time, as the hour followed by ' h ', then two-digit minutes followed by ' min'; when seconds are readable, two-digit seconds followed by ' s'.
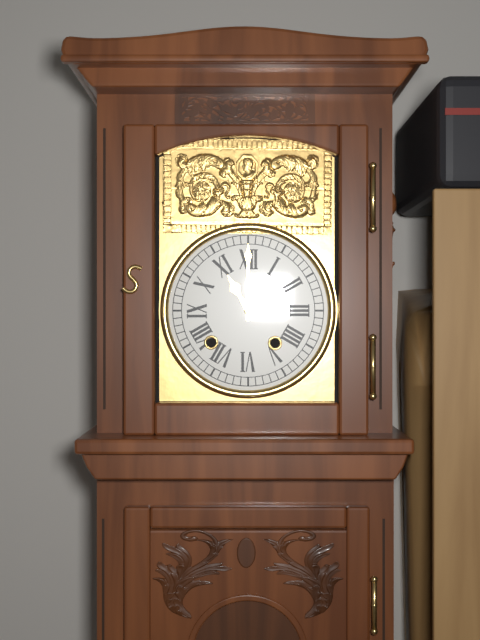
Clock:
11 h 00 min
